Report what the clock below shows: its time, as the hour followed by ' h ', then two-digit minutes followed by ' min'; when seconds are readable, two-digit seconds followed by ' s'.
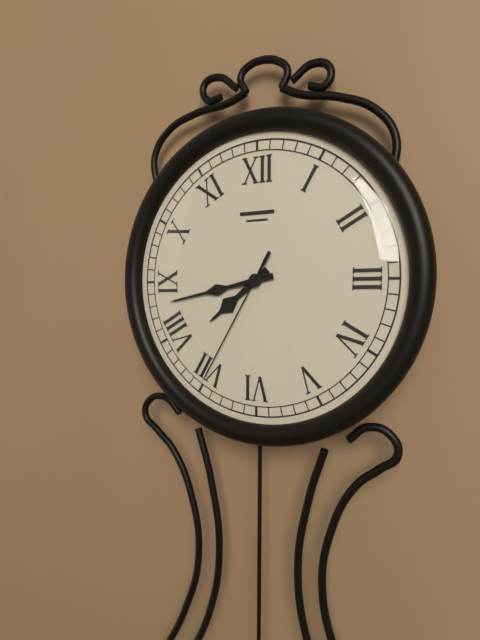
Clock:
7 h 43 min 35 s
